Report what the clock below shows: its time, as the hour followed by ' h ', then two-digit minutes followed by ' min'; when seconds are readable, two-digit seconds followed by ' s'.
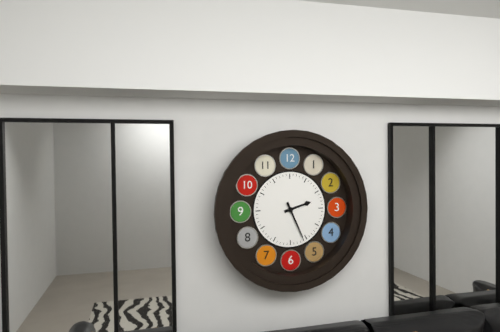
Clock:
2 h 26 min
